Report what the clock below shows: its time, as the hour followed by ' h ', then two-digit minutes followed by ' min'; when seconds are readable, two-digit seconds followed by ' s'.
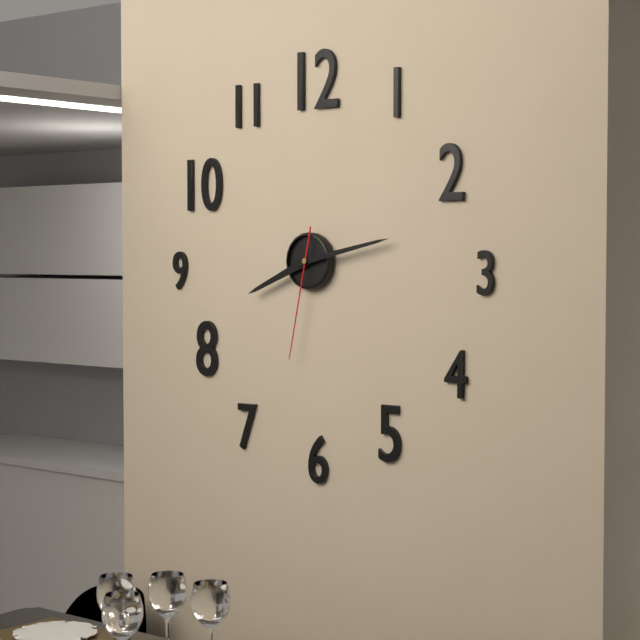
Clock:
8 h 13 min 32 s
